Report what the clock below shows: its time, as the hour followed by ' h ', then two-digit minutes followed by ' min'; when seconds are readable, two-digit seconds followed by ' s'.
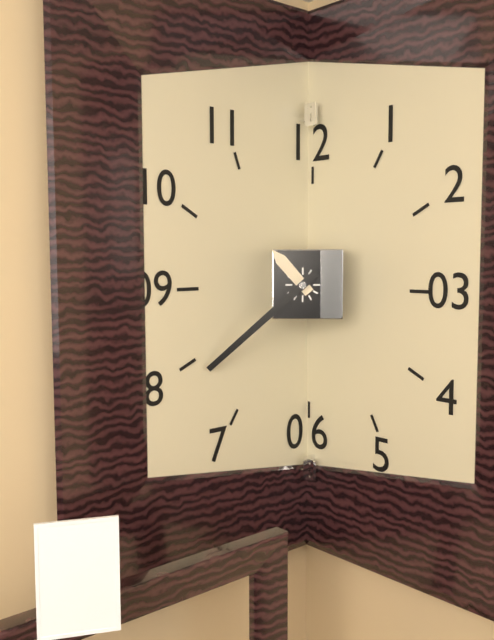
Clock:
10 h 38 min
